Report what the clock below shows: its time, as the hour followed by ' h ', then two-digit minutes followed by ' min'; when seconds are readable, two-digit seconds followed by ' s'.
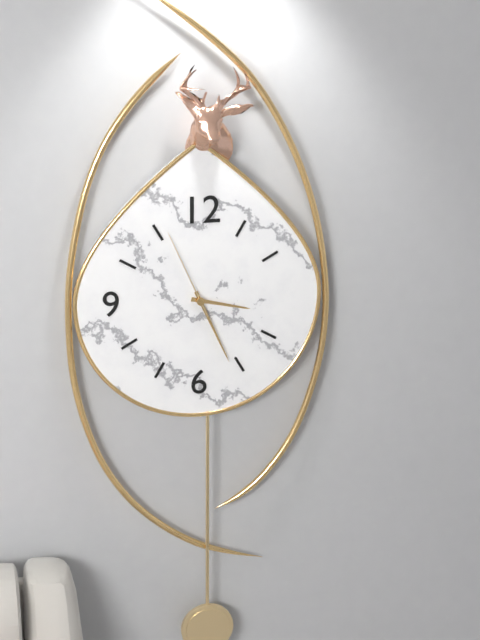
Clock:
3 h 26 min 56 s
